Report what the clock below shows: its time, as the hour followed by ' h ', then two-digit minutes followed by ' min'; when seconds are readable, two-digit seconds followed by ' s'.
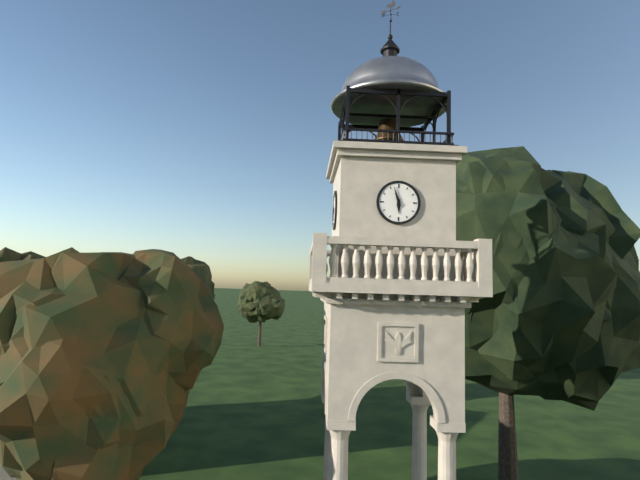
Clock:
5 h 57 min
